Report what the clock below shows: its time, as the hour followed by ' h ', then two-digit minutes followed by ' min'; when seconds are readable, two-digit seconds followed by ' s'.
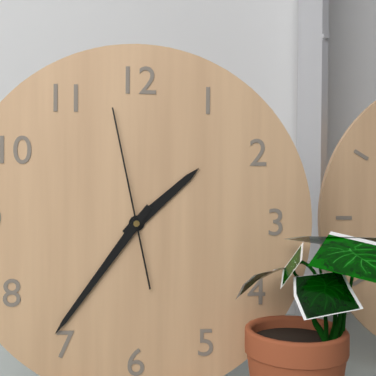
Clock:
1 h 36 min 58 s
